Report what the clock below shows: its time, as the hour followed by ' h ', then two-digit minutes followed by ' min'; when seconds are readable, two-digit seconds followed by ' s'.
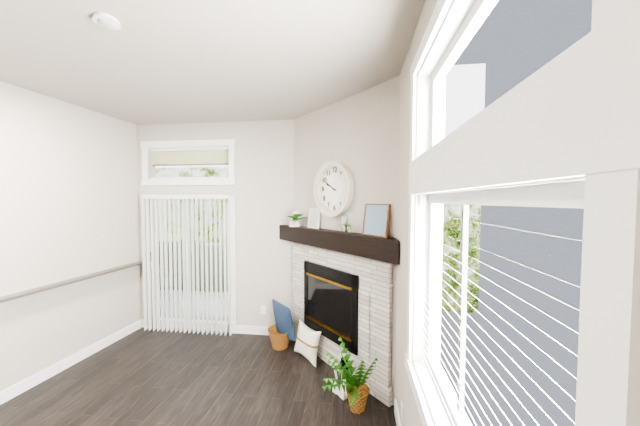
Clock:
9 h 50 min
